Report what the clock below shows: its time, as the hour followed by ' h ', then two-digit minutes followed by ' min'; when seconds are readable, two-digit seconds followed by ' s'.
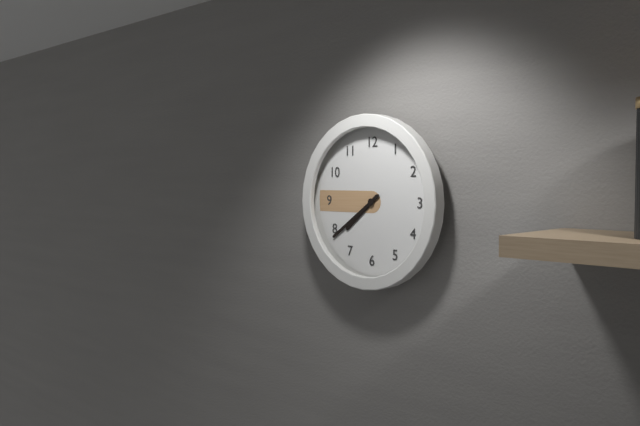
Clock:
7 h 39 min
